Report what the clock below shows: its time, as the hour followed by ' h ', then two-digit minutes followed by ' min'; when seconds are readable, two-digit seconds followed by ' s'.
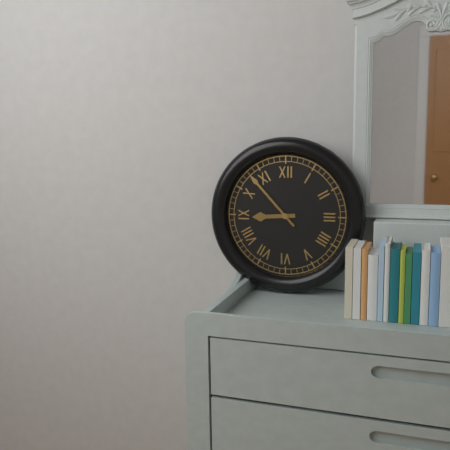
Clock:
8 h 53 min
